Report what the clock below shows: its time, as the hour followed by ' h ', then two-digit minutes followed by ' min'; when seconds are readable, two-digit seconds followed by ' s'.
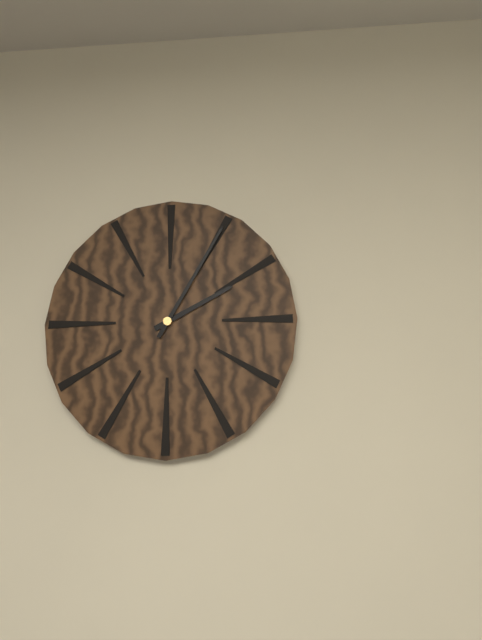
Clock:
2 h 05 min
